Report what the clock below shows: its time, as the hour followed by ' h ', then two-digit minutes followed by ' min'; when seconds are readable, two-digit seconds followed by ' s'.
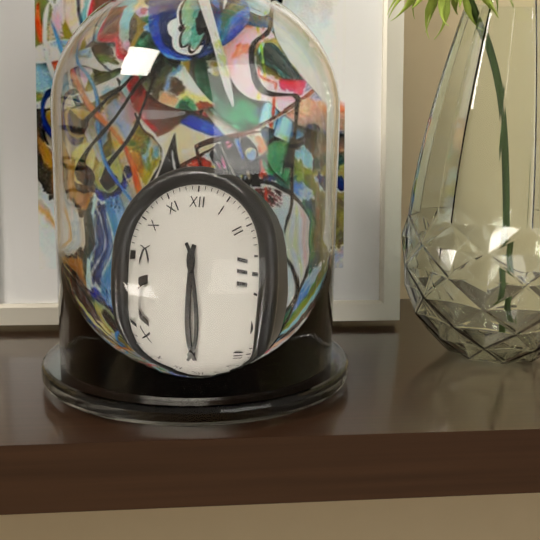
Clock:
6 h 25 min
